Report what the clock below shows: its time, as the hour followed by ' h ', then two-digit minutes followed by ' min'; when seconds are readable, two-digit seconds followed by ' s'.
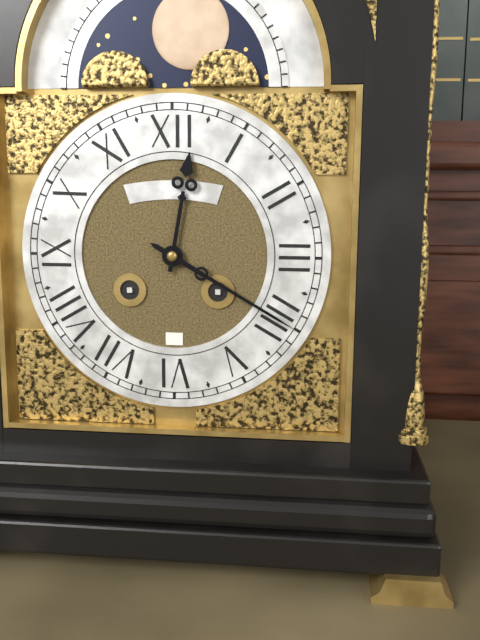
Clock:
12 h 20 min
